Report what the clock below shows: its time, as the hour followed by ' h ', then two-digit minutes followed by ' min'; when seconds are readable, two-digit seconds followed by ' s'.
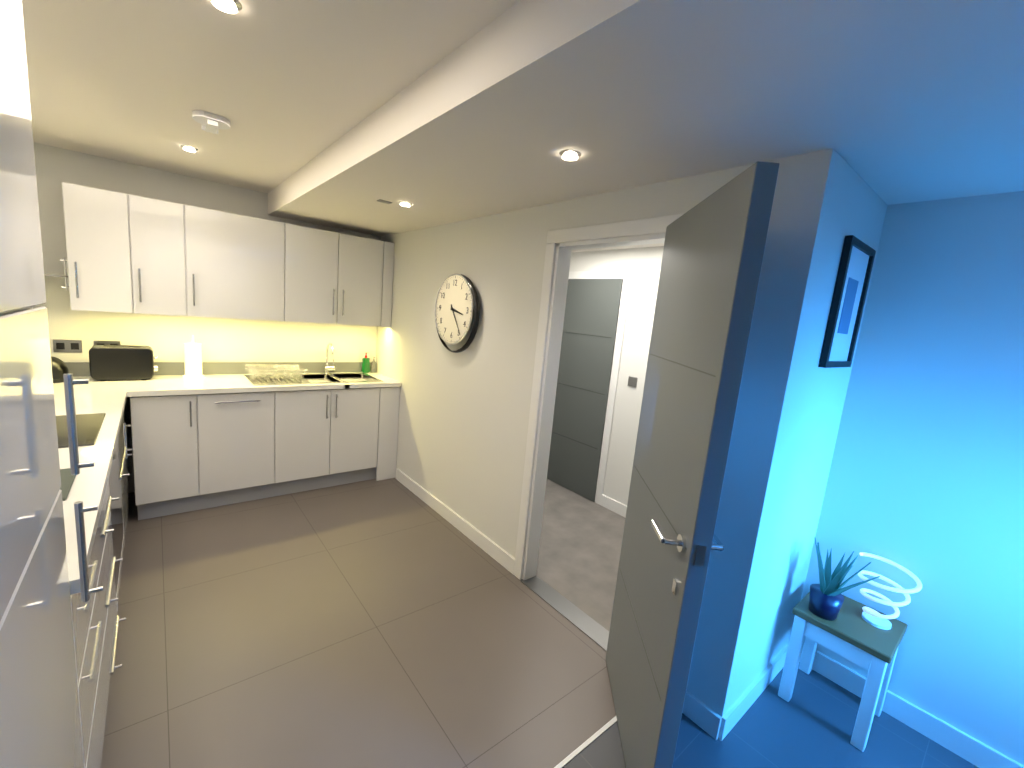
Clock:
3 h 24 min
